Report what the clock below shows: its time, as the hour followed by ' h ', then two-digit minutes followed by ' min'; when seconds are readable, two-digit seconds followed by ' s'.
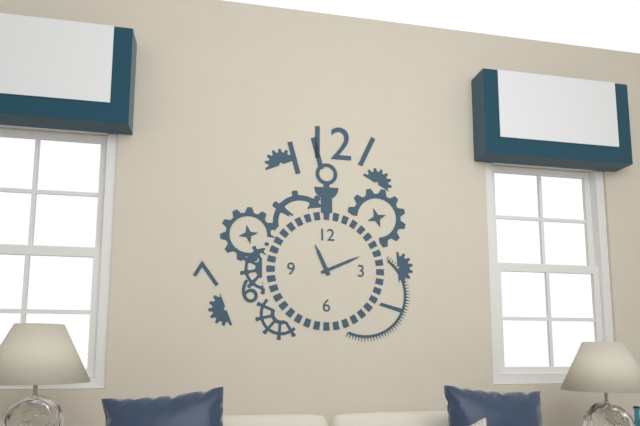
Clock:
11 h 11 min
